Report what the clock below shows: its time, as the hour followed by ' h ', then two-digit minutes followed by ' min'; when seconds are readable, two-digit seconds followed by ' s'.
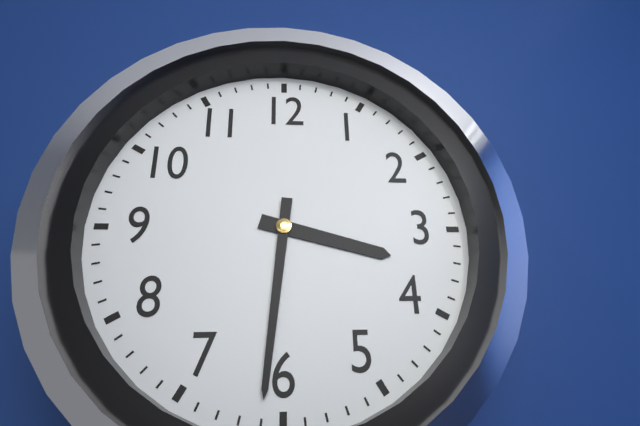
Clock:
3 h 31 min
